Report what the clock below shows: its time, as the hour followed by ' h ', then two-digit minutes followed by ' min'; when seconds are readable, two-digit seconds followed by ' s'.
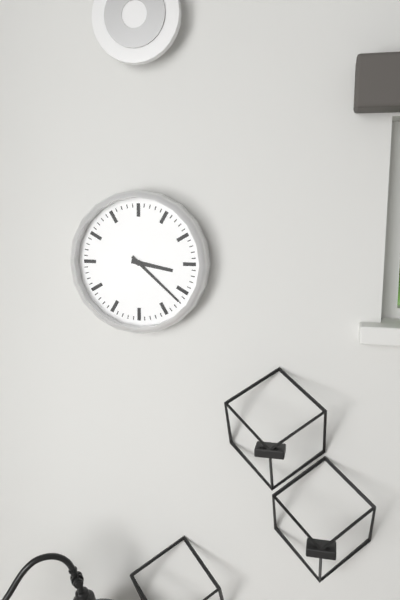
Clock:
3 h 22 min
